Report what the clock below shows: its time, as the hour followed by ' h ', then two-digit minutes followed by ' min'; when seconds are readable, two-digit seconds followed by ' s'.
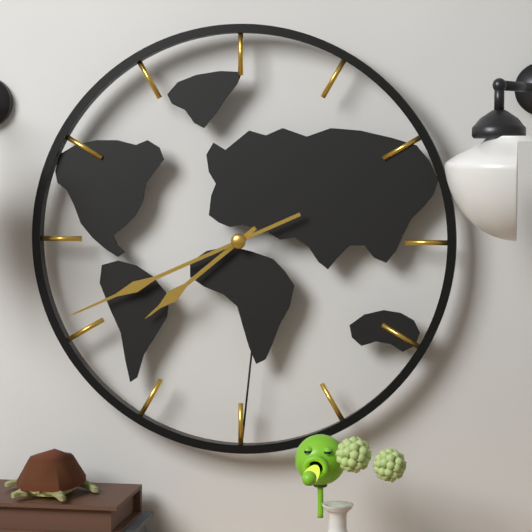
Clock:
7 h 41 min
